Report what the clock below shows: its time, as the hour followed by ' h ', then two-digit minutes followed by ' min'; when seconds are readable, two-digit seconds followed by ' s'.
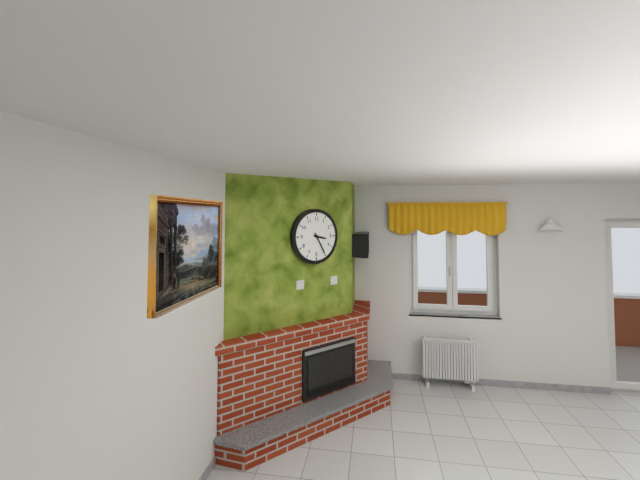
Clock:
3 h 25 min
